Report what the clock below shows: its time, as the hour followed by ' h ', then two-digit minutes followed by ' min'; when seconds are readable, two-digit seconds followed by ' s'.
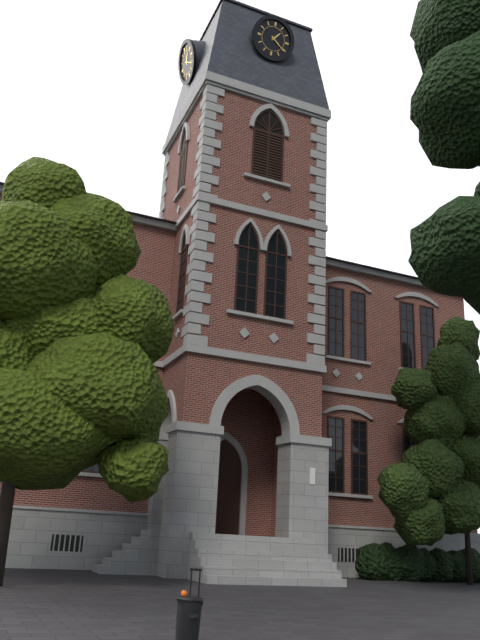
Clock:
1 h 21 min
